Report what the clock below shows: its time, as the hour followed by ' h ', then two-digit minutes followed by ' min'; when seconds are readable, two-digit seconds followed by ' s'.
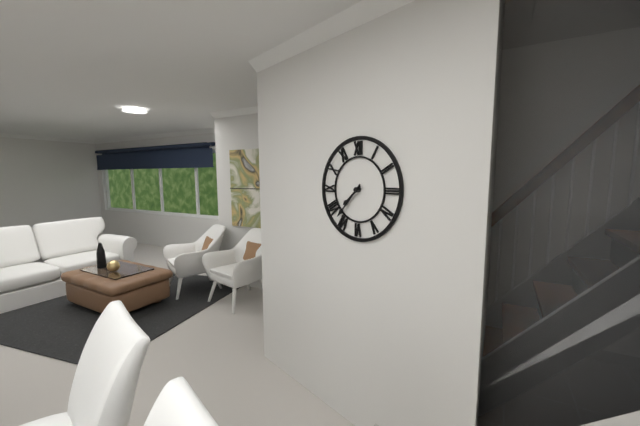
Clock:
7 h 37 min
